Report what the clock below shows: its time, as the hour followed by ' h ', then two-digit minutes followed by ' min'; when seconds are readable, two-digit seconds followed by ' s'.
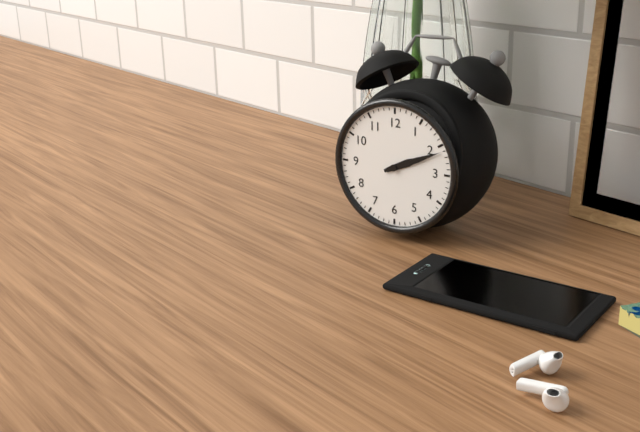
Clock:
2 h 11 min
